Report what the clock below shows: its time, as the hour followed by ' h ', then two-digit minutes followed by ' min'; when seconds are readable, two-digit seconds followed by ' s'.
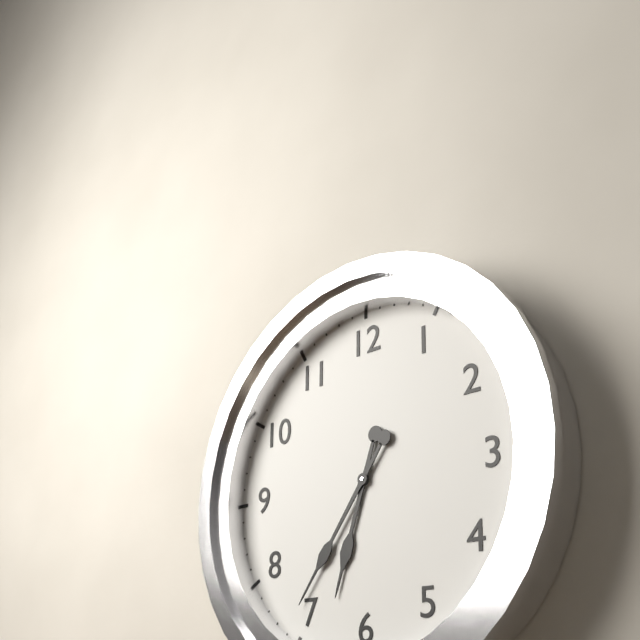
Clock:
6 h 36 min
